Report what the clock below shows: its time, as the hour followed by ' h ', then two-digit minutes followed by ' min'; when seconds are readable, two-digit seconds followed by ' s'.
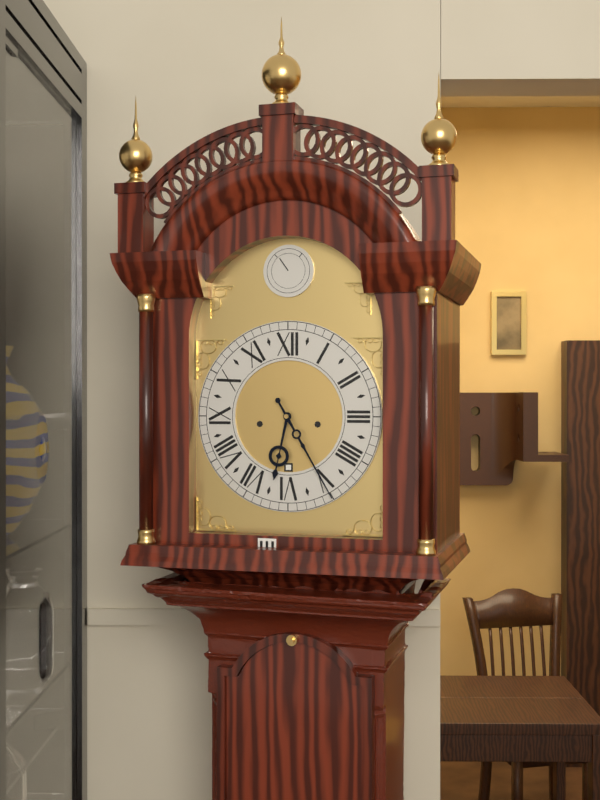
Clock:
6 h 25 min
